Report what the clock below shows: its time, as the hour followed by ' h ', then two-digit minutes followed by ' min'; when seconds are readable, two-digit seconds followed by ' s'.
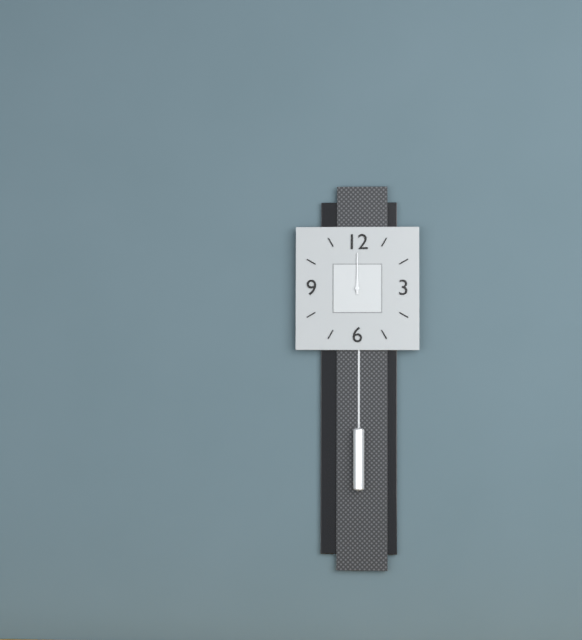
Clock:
12 h 00 min
